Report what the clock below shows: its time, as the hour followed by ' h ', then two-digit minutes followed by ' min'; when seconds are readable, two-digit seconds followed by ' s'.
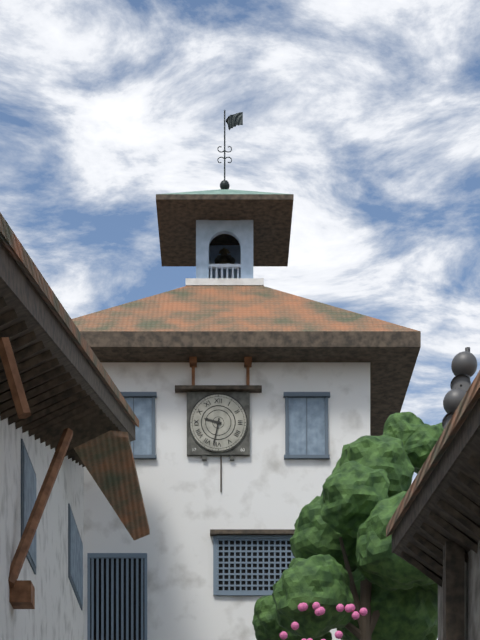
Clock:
9 h 32 min
